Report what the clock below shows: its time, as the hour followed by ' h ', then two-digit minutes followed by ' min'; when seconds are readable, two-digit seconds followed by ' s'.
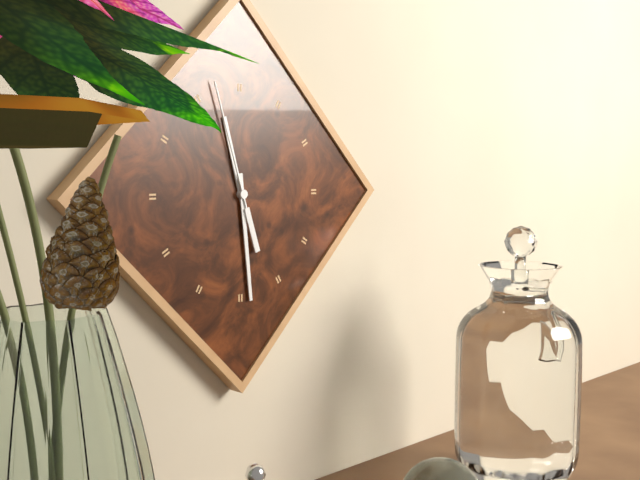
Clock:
11 h 29 min 57 s
